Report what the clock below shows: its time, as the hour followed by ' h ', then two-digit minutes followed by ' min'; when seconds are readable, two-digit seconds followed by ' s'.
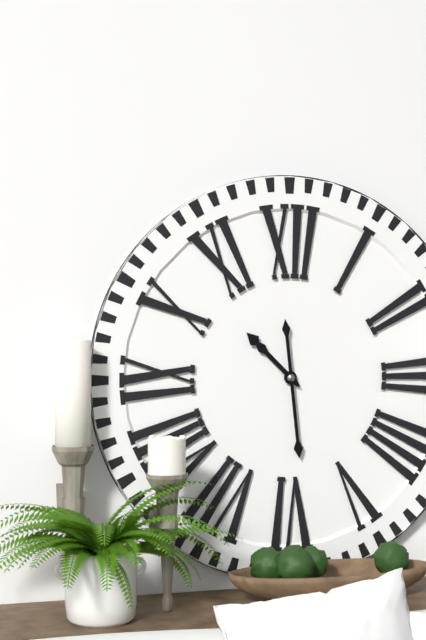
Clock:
10 h 29 min
